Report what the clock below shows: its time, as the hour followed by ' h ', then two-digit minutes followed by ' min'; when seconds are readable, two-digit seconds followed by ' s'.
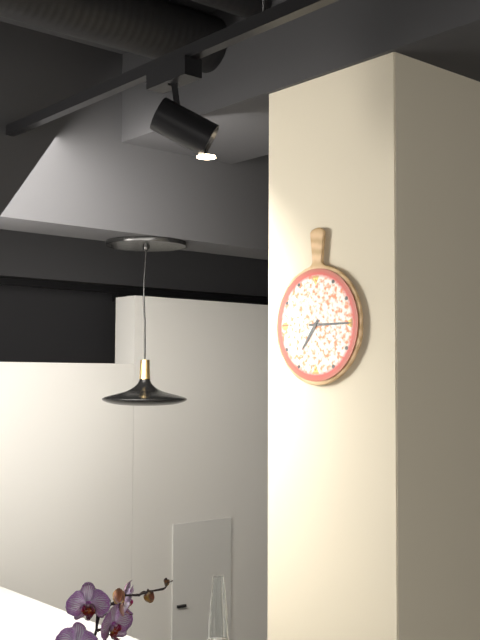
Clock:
7 h 15 min
